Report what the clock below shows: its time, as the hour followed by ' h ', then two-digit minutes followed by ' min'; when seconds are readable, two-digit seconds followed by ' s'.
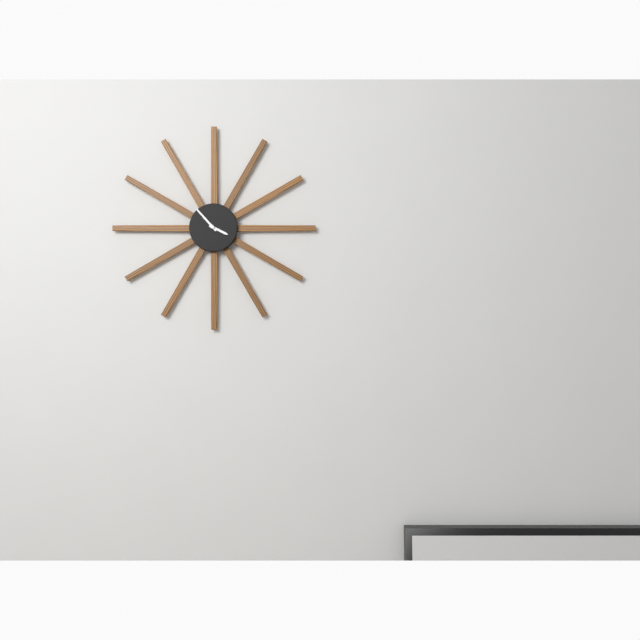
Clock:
3 h 53 min
